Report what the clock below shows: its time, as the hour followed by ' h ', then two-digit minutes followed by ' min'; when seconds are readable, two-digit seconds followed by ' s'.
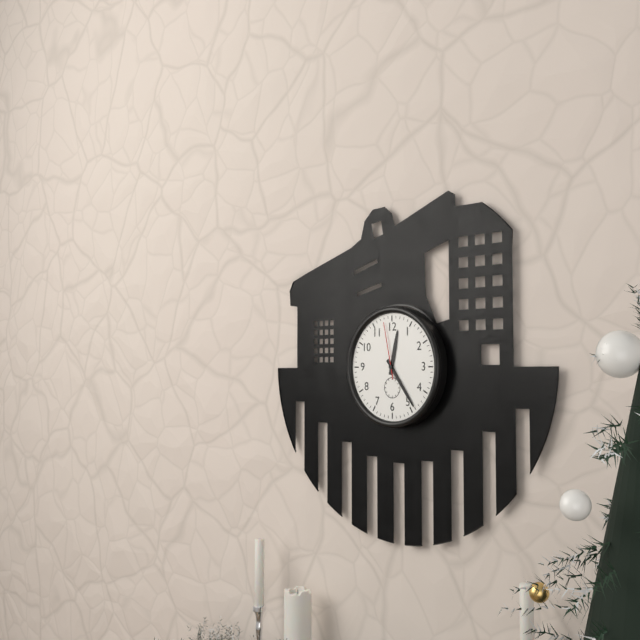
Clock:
12 h 24 min 58 s
